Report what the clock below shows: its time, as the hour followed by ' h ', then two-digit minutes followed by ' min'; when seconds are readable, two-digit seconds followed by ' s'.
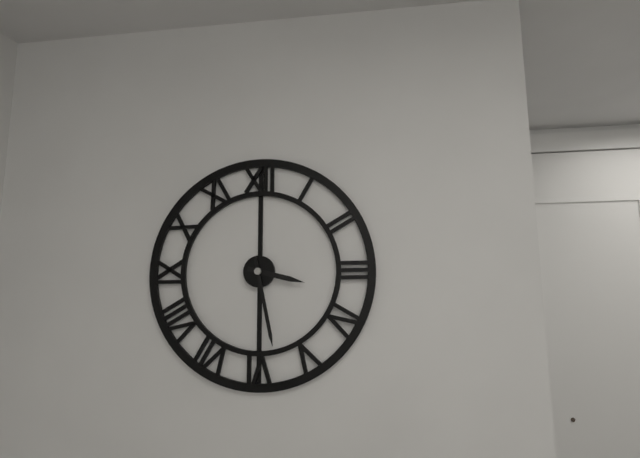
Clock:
3 h 28 min
